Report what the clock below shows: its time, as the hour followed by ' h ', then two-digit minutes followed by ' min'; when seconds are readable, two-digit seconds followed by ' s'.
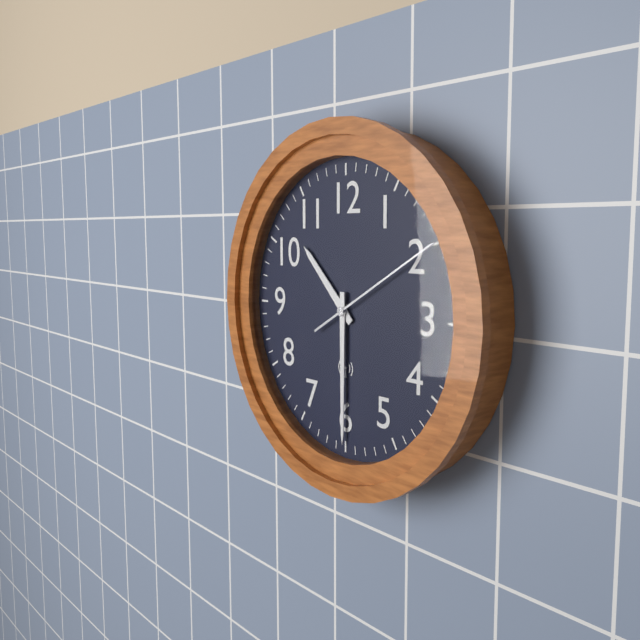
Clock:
10 h 30 min 10 s
